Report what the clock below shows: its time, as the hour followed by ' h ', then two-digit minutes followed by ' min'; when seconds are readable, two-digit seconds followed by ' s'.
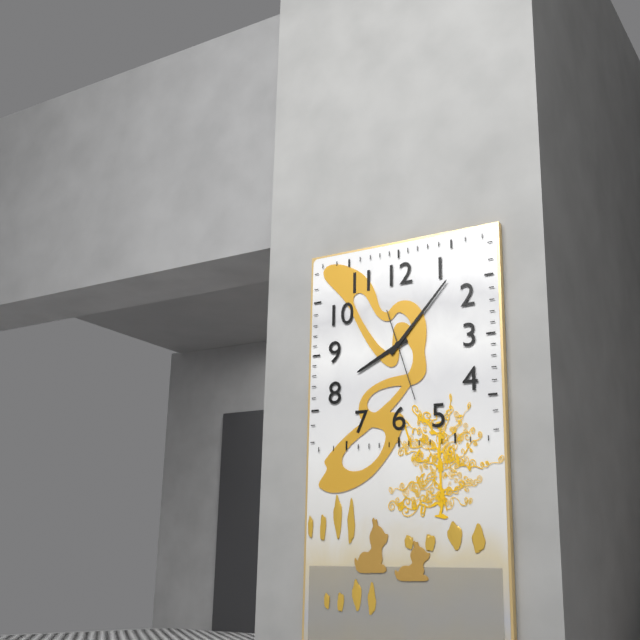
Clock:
8 h 07 min 27 s
